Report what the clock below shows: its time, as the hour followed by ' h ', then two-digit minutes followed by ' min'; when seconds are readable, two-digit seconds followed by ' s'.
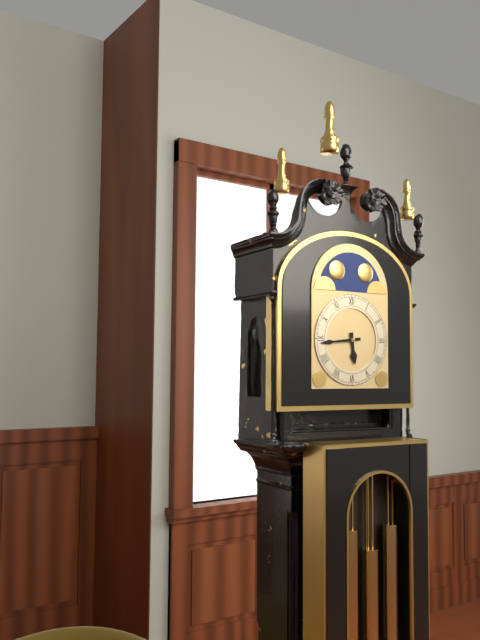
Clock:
5 h 44 min
